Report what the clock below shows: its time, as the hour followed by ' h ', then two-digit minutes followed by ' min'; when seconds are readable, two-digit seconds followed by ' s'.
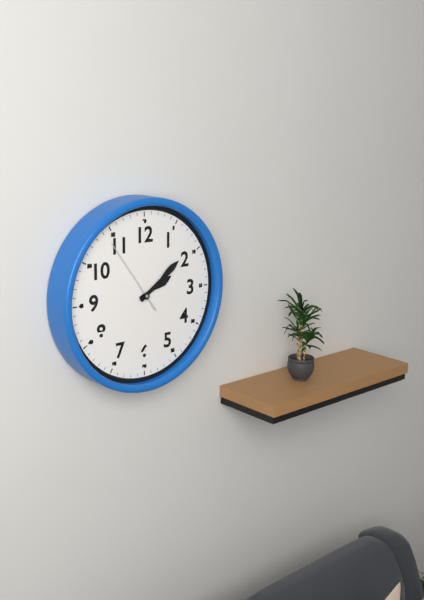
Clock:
2 h 09 min 54 s
